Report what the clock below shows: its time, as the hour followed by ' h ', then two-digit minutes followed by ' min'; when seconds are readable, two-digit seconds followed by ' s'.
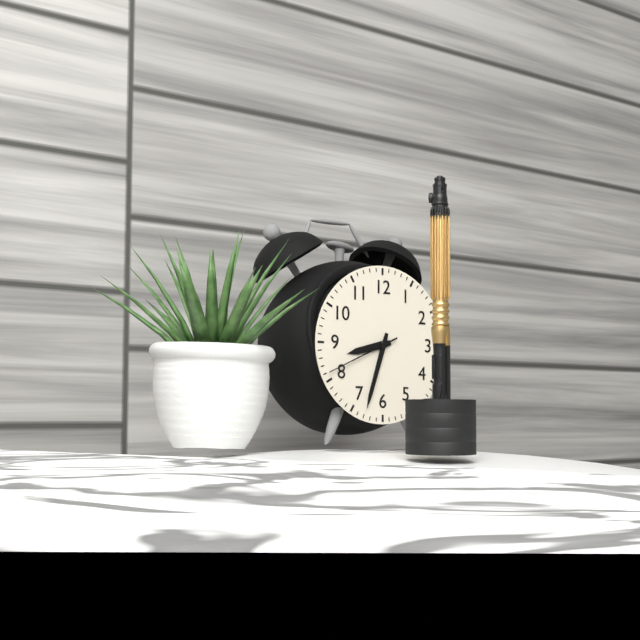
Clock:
8 h 33 min 41 s
